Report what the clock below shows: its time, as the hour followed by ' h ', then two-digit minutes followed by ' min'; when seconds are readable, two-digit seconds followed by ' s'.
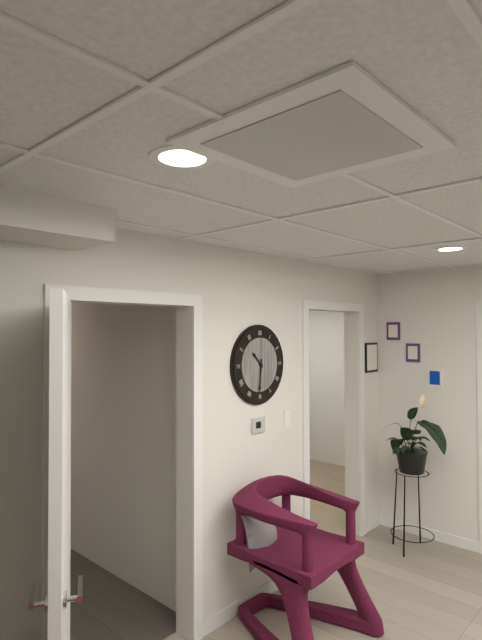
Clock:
10 h 31 min
